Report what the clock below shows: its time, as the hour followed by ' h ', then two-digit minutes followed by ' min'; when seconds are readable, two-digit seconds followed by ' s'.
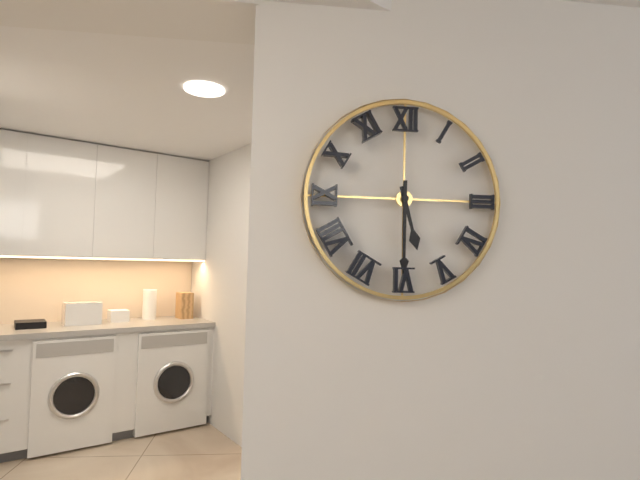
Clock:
5 h 30 min
